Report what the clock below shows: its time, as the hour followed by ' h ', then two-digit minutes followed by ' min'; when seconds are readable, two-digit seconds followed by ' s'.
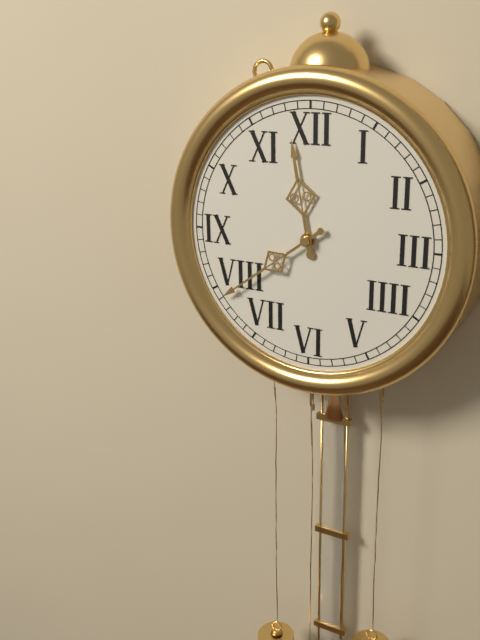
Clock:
11 h 39 min
